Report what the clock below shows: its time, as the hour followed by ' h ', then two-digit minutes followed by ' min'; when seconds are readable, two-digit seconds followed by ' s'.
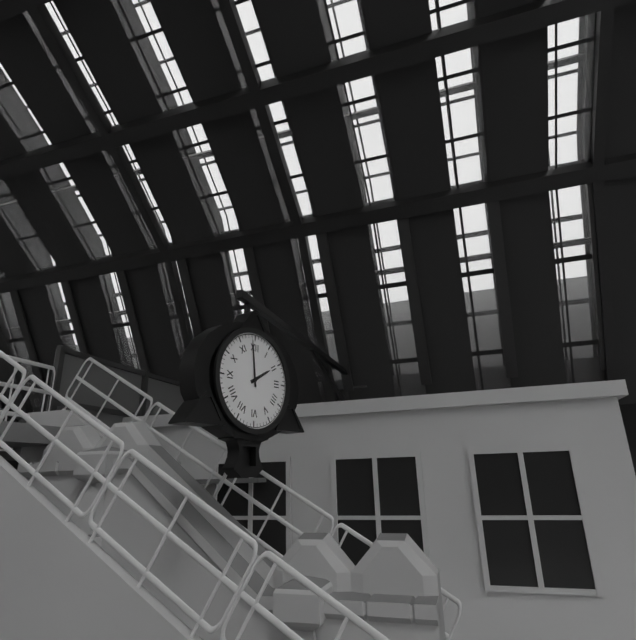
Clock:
1 h 59 min
